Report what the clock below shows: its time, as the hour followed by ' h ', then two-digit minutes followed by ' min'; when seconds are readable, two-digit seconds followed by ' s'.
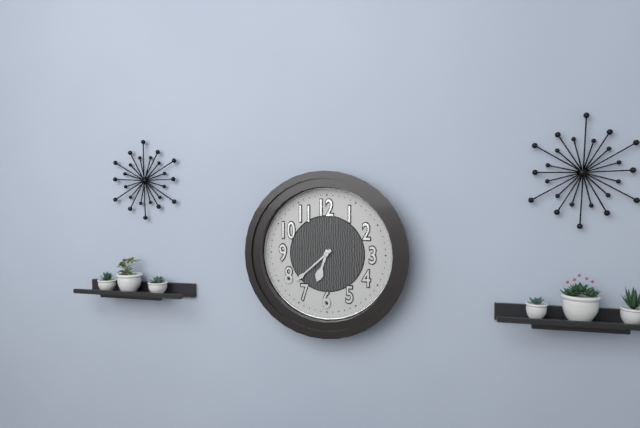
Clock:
6 h 38 min
